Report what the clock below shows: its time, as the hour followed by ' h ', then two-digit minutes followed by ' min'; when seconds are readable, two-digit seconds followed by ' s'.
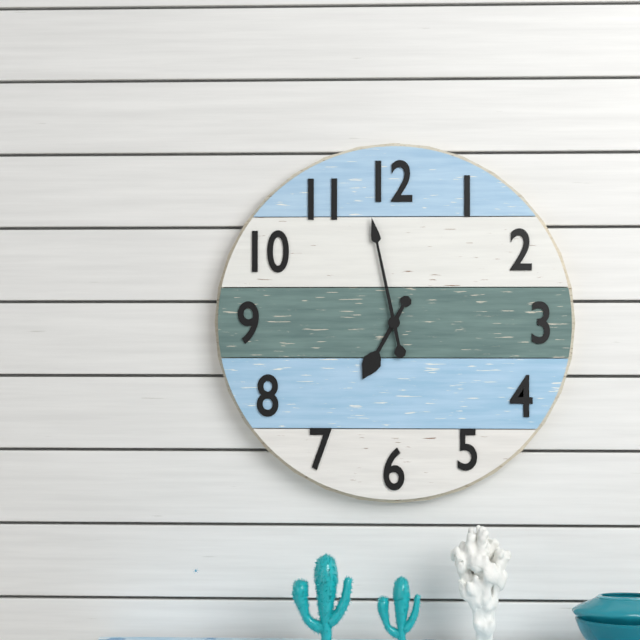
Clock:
6 h 58 min
